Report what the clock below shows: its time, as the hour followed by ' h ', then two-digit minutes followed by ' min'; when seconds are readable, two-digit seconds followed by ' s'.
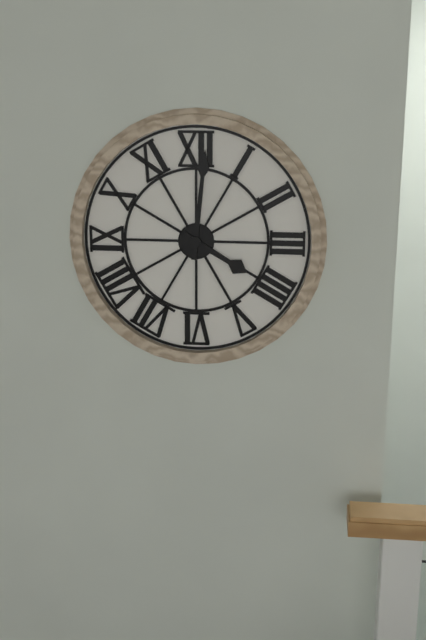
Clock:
4 h 01 min
